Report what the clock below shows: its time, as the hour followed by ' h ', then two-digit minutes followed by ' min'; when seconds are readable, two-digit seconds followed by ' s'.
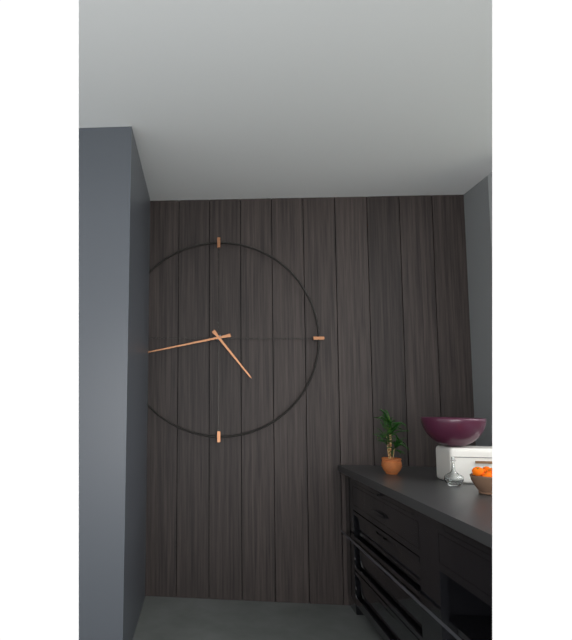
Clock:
4 h 43 min
